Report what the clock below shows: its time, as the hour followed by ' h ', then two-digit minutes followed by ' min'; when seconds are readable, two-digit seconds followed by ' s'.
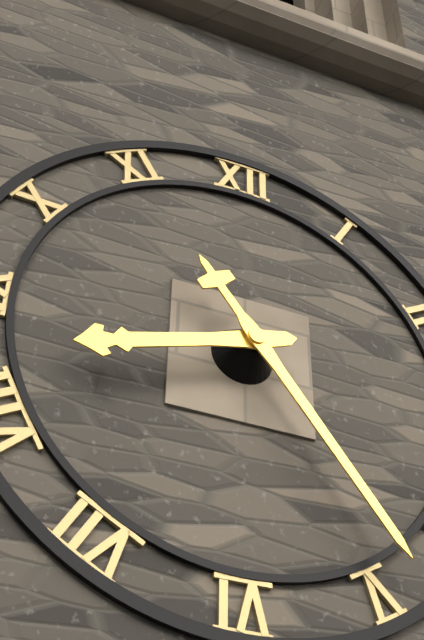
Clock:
8 h 24 min
